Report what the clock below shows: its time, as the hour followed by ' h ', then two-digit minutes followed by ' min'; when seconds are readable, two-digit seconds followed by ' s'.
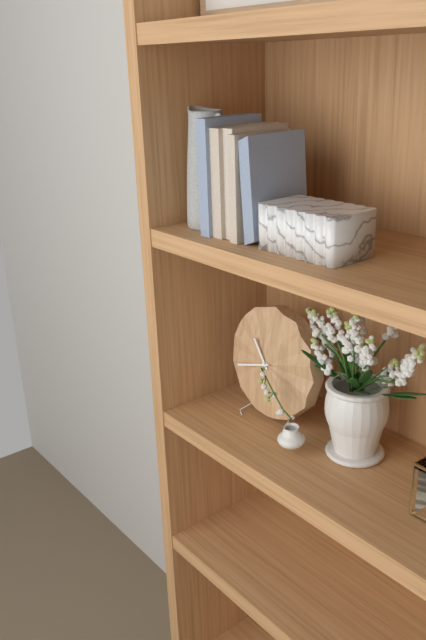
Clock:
10 h 42 min
